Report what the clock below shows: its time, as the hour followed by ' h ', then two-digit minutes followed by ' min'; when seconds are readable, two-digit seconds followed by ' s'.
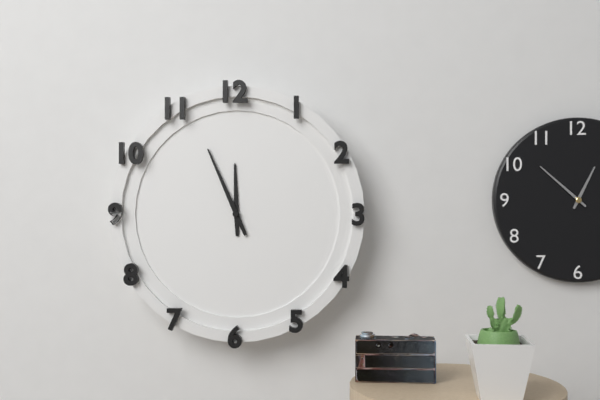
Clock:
11 h 56 min
